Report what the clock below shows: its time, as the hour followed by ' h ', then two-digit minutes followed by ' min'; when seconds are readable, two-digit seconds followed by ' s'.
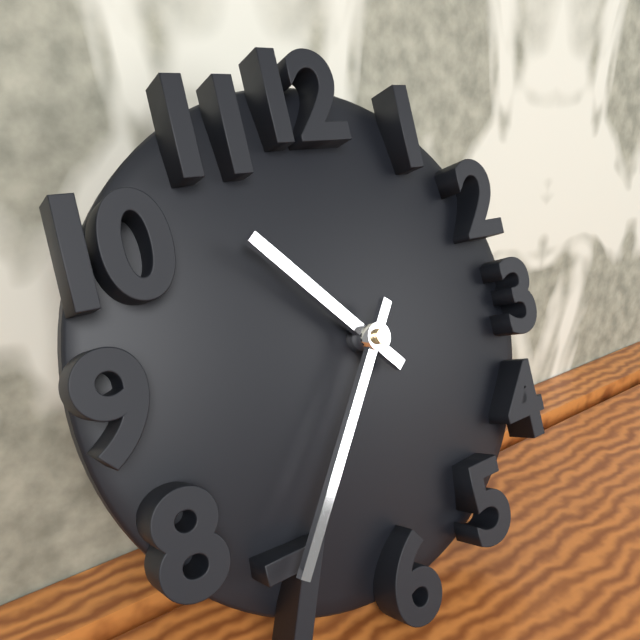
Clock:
10 h 36 min
